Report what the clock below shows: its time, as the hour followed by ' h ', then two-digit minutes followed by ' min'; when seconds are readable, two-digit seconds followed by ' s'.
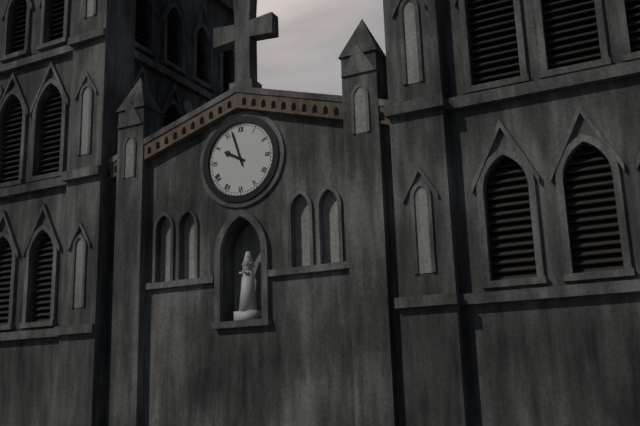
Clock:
9 h 57 min
